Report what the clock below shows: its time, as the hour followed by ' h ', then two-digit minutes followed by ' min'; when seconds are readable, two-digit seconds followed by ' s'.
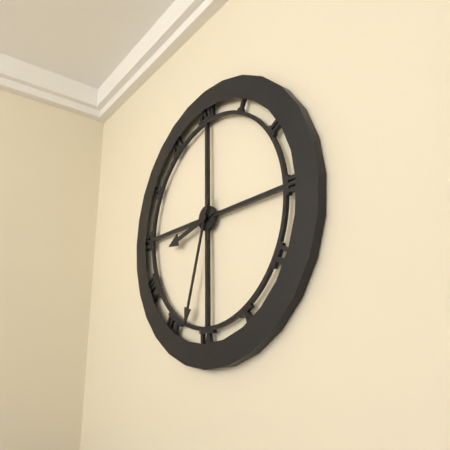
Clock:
8 h 33 min
